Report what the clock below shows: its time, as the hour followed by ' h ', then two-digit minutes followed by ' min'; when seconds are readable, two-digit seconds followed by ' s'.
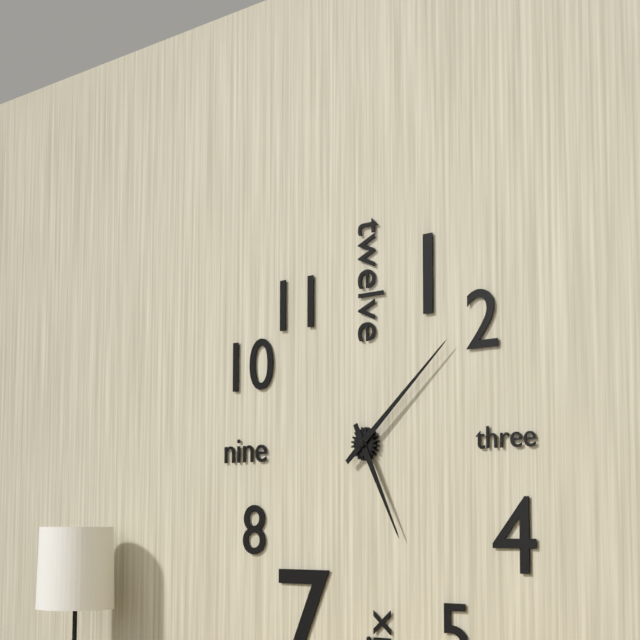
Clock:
5 h 08 min
